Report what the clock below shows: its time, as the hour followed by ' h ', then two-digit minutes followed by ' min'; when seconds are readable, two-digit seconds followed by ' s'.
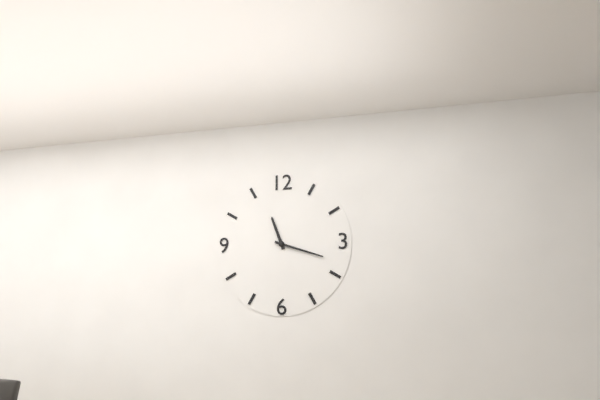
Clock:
11 h 18 min
